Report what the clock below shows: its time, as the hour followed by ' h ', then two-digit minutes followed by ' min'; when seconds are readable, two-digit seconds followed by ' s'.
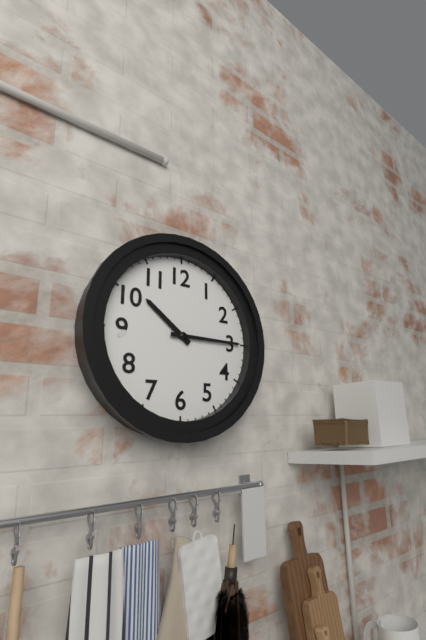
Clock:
10 h 15 min
